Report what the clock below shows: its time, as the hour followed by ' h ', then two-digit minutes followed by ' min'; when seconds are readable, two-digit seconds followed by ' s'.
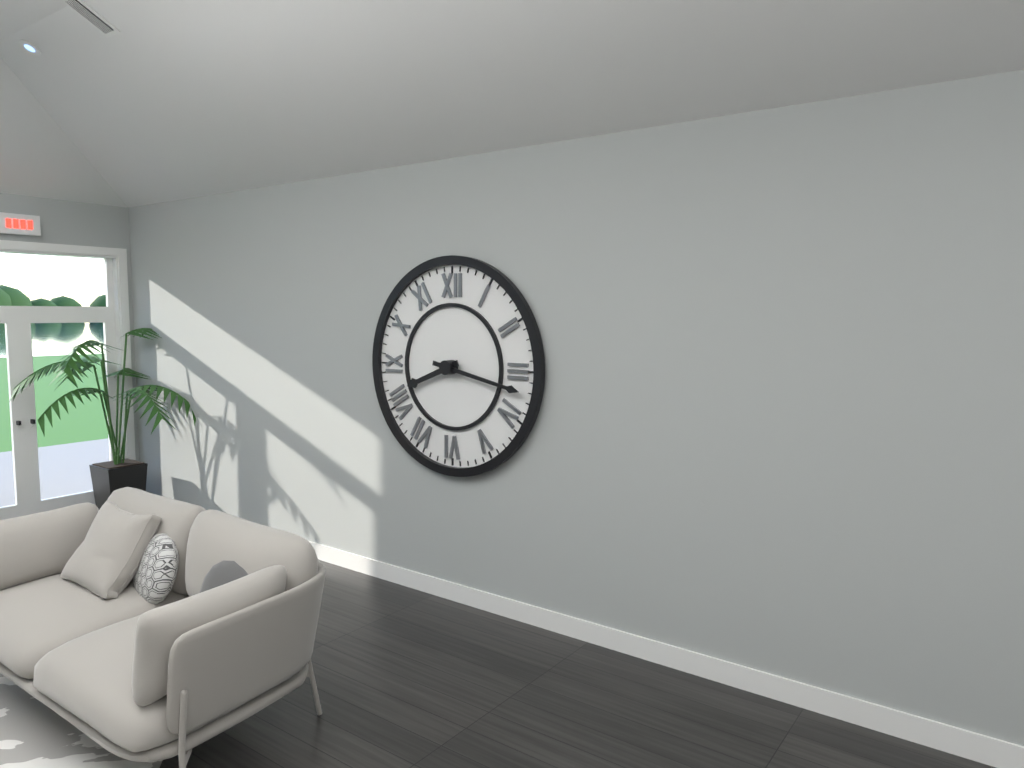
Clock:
8 h 17 min
